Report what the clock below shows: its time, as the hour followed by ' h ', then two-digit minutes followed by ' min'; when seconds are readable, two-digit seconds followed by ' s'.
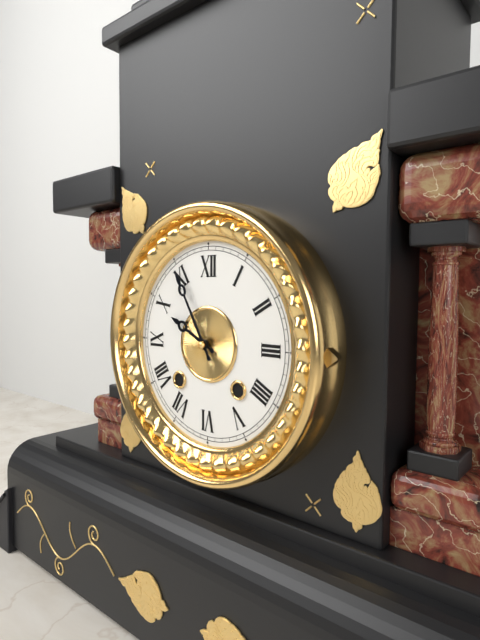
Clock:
9 h 55 min
